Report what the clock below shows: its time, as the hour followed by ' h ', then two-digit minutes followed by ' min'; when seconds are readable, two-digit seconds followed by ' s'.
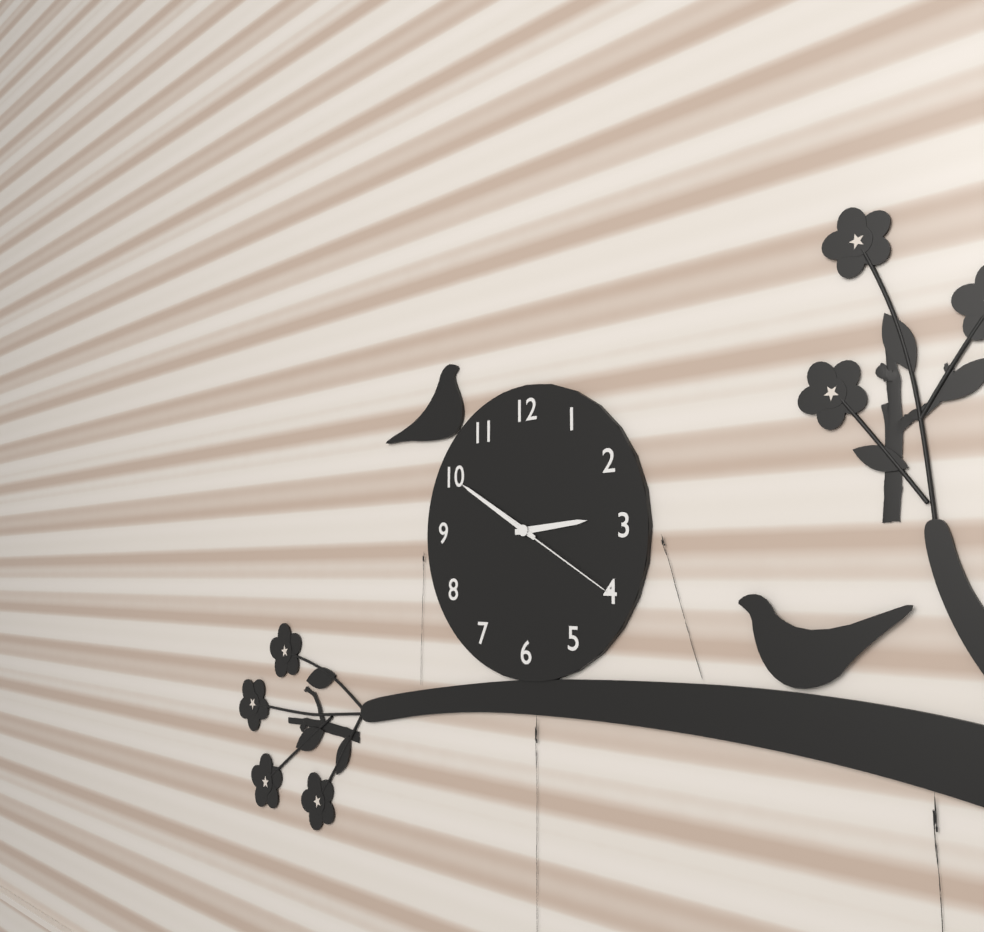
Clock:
2 h 50 min 20 s
